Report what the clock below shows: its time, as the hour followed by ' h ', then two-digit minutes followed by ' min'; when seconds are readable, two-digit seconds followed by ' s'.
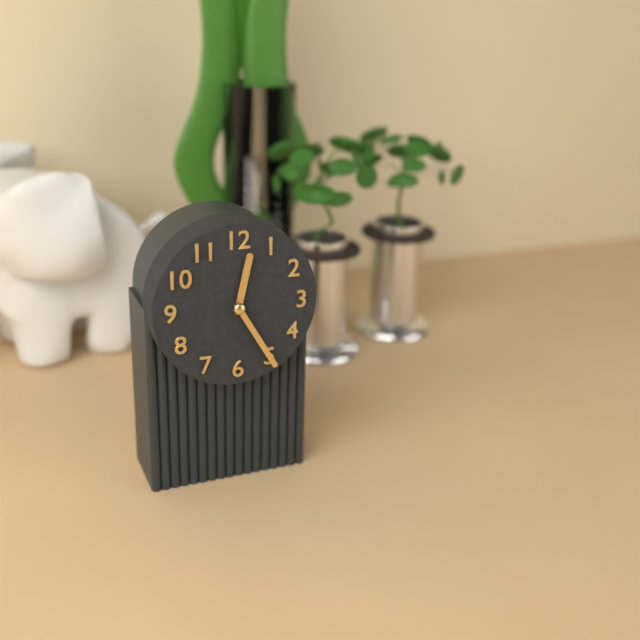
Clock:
12 h 25 min
